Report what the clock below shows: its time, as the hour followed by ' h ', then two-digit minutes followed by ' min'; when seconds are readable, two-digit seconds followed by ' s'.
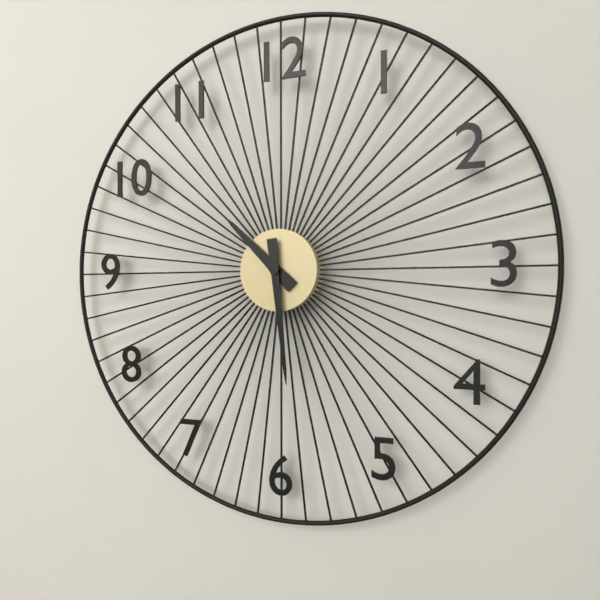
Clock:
10 h 29 min
